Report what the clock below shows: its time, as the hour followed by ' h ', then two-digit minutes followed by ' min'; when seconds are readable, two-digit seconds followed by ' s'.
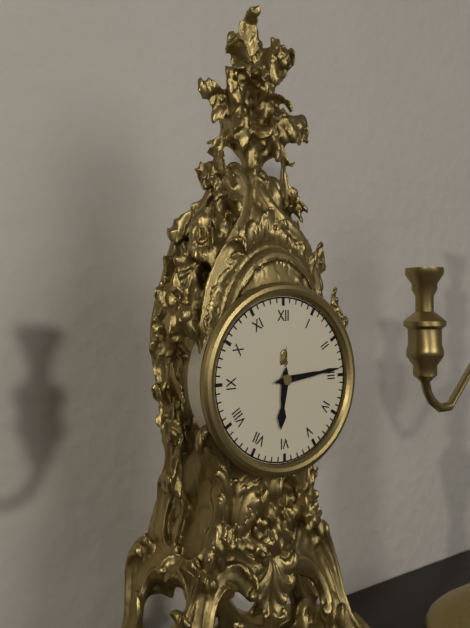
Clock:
6 h 14 min
